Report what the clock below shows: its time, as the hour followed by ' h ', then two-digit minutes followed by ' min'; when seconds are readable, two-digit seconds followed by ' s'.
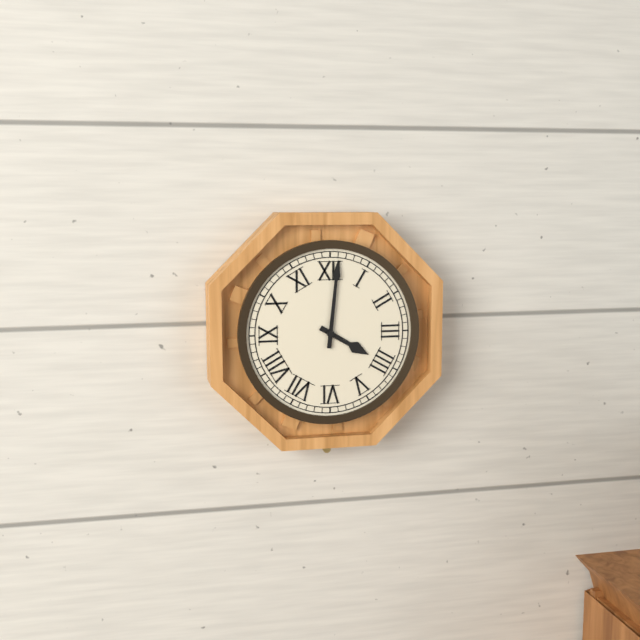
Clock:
4 h 01 min
